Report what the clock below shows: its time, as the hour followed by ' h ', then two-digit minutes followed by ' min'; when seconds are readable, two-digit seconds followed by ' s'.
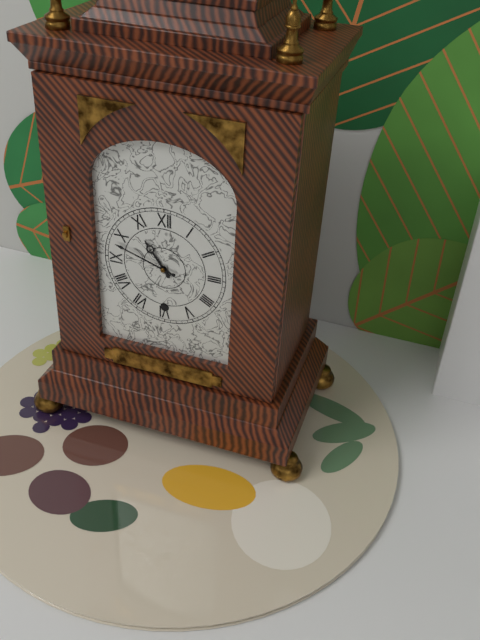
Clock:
10 h 48 min
